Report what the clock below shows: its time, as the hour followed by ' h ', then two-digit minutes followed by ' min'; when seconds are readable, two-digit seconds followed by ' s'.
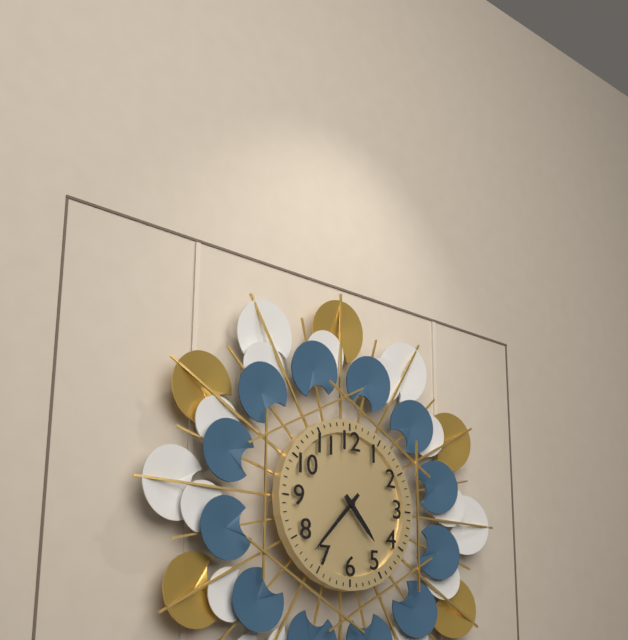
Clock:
4 h 37 min
